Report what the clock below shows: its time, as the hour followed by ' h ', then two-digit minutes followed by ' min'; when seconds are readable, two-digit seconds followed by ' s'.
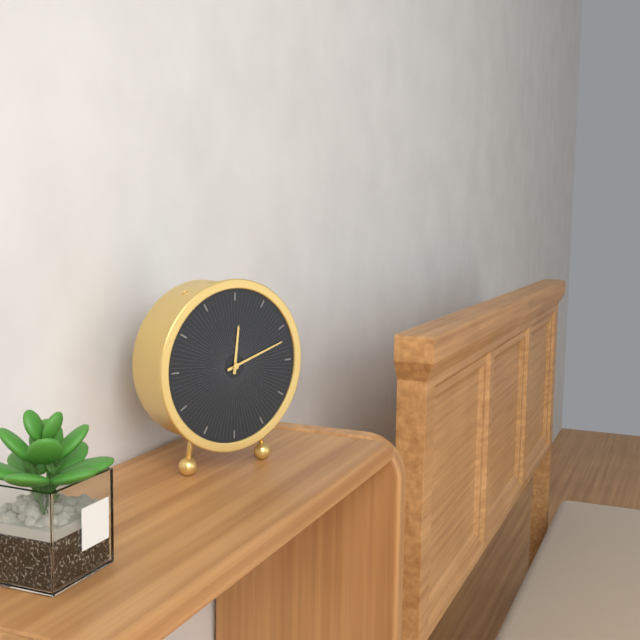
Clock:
12 h 12 min
